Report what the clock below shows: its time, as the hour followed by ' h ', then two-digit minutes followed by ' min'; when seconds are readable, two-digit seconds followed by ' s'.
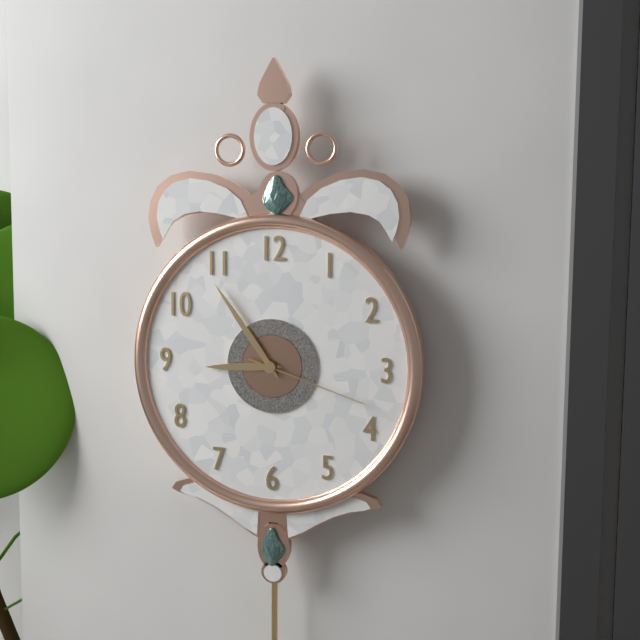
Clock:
8 h 54 min 18 s
